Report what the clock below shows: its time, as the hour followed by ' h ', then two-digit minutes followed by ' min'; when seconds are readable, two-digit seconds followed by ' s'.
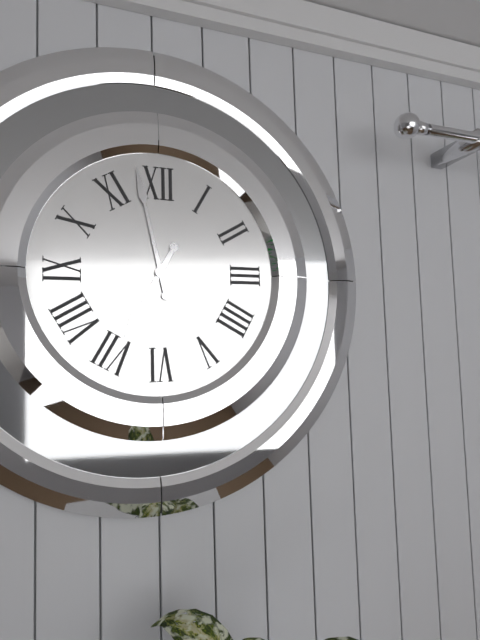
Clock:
6 h 58 min
